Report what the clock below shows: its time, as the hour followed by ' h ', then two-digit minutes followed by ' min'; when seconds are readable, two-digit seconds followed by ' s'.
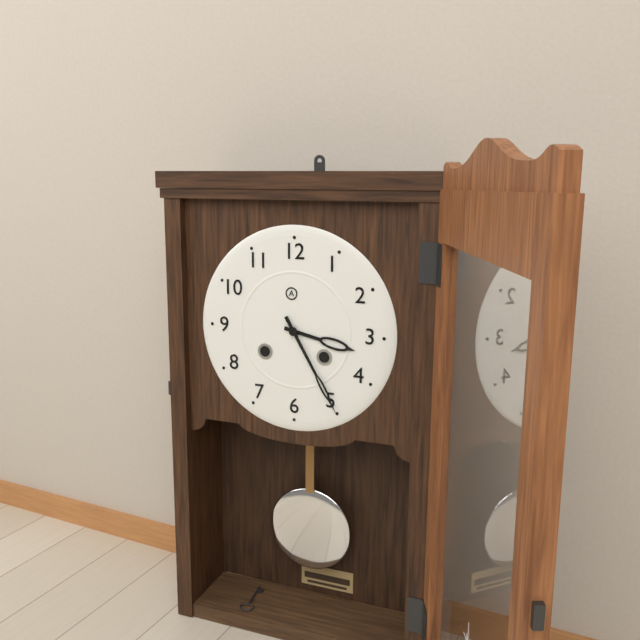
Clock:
3 h 25 min
